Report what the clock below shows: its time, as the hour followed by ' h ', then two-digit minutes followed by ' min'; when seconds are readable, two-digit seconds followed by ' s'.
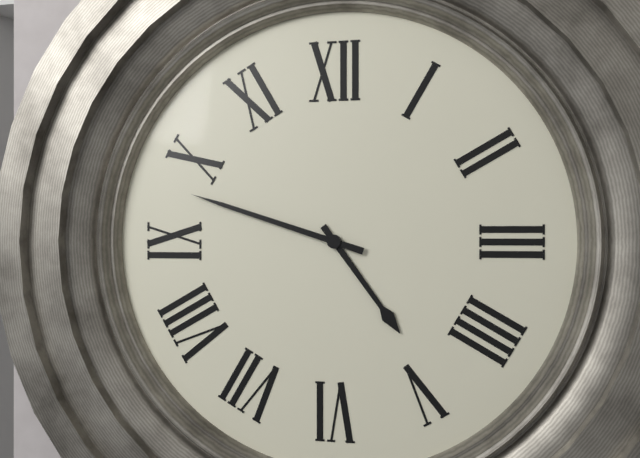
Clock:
4 h 48 min
